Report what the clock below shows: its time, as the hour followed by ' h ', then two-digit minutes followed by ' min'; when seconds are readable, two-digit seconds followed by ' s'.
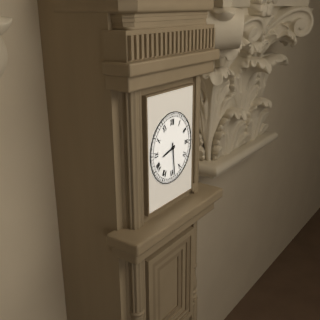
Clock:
8 h 29 min
